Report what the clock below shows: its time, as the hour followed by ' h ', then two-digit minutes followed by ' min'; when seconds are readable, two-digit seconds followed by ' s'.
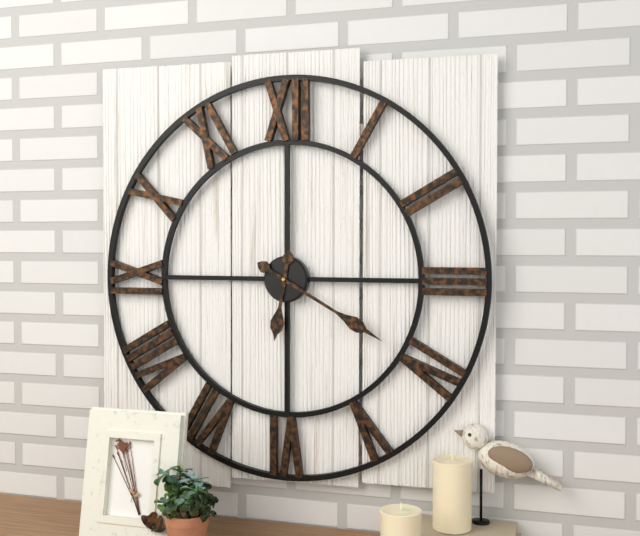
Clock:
6 h 20 min
